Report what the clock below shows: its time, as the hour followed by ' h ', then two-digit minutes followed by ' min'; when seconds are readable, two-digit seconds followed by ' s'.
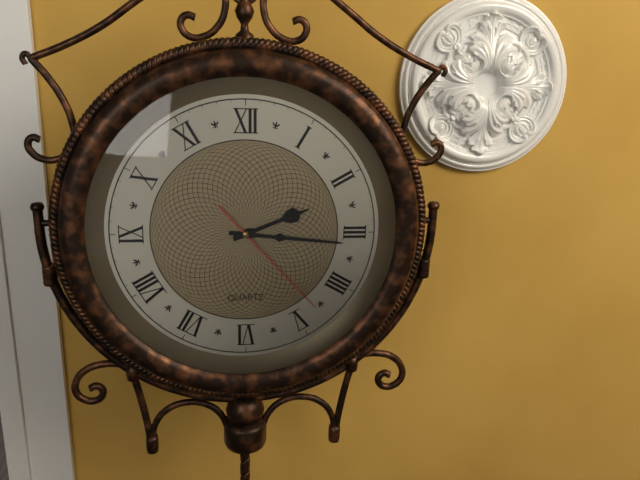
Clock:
2 h 16 min 23 s
